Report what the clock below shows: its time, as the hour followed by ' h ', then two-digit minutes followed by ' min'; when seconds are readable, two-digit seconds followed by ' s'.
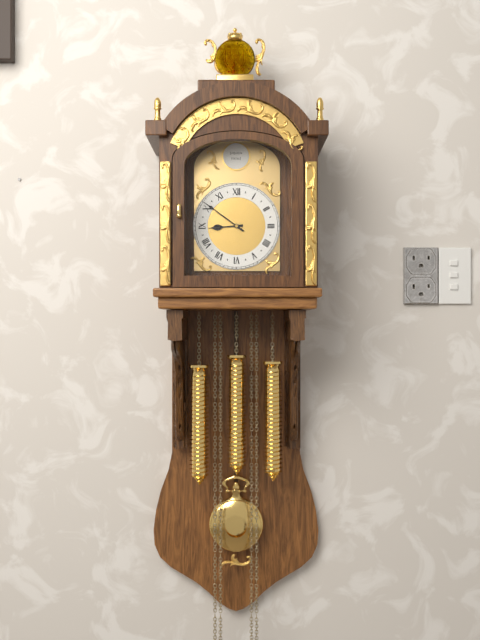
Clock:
8 h 51 min
